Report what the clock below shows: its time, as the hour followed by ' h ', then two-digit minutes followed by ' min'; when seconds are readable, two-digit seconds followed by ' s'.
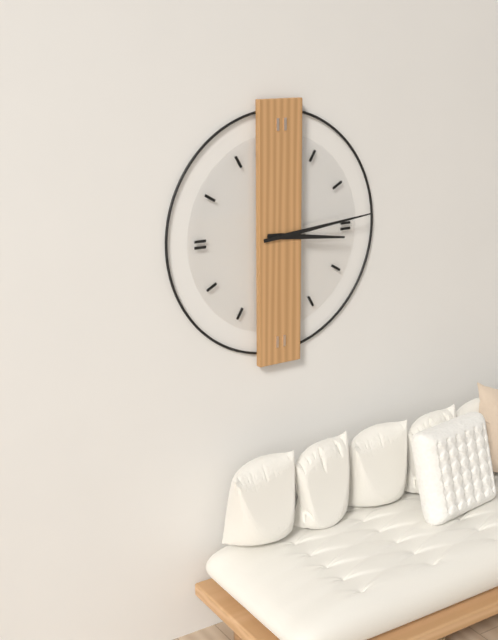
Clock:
3 h 14 min
